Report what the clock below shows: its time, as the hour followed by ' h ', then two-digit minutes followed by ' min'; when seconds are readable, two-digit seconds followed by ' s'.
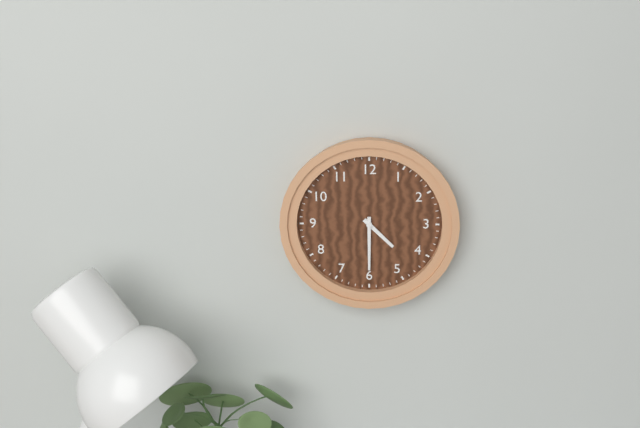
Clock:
4 h 30 min
